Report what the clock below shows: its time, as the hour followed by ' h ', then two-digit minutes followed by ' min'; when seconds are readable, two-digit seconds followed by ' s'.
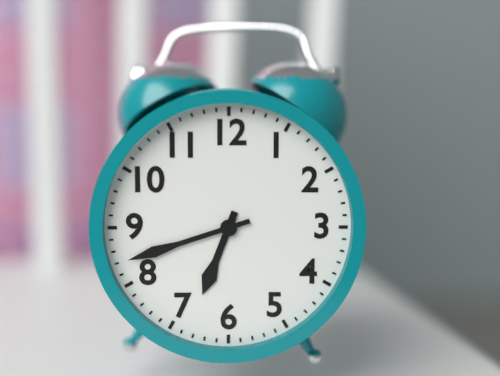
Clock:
6 h 42 min
